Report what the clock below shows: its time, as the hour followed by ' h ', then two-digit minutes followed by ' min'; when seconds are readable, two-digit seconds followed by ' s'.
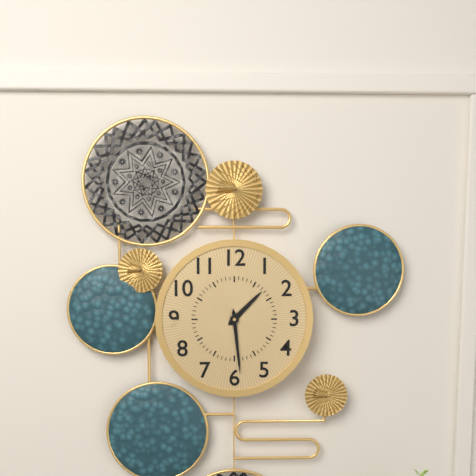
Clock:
1 h 29 min
